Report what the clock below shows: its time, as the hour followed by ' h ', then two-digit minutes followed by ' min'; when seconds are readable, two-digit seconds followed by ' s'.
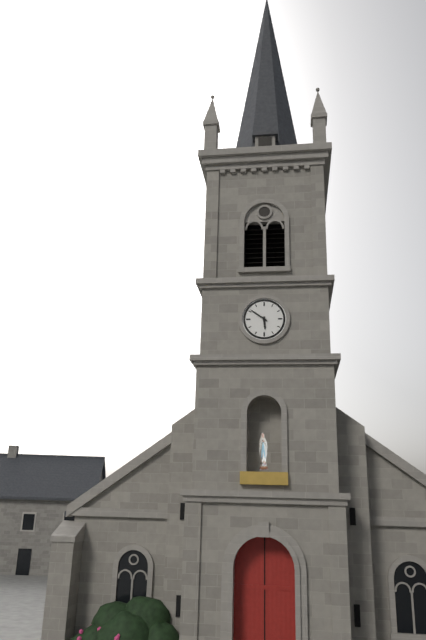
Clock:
5 h 51 min
